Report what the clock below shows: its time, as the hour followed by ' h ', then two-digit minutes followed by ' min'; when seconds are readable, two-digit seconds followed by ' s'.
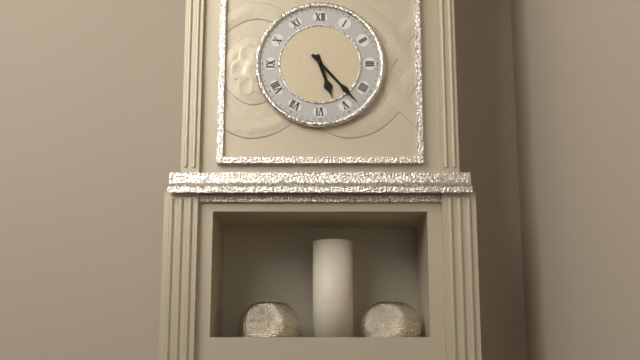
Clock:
5 h 23 min
